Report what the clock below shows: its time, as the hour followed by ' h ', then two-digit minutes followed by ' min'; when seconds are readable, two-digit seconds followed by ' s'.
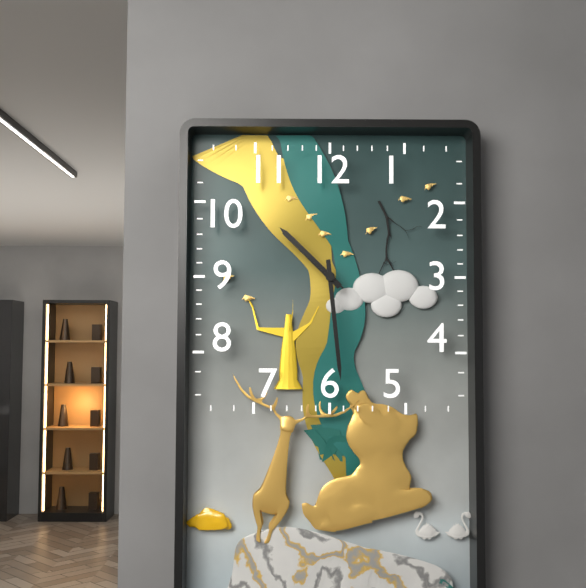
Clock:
10 h 29 min 52 s
